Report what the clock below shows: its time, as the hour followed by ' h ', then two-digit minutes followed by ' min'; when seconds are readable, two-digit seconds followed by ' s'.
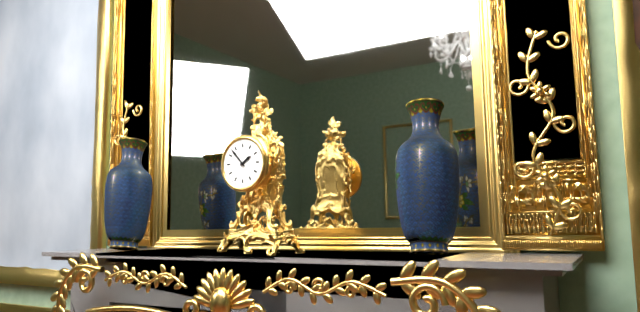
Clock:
1 h 53 min
